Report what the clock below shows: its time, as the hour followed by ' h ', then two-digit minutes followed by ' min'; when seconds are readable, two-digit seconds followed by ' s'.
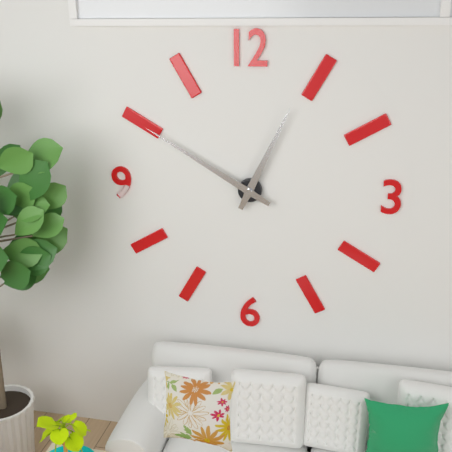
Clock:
12 h 50 min
